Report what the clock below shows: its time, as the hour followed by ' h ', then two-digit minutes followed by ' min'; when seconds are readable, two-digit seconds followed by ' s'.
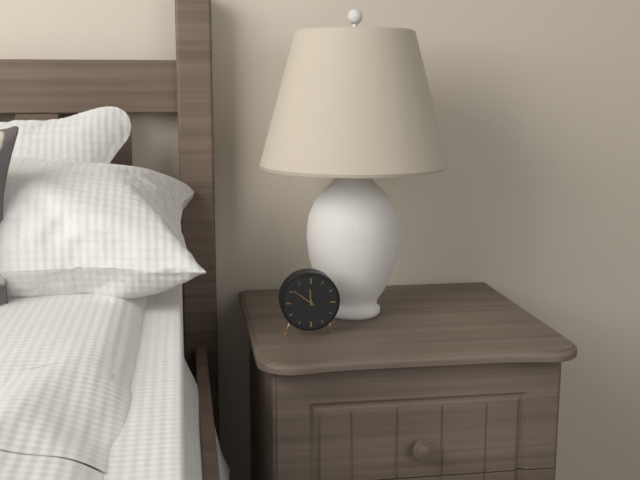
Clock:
11 h 51 min
